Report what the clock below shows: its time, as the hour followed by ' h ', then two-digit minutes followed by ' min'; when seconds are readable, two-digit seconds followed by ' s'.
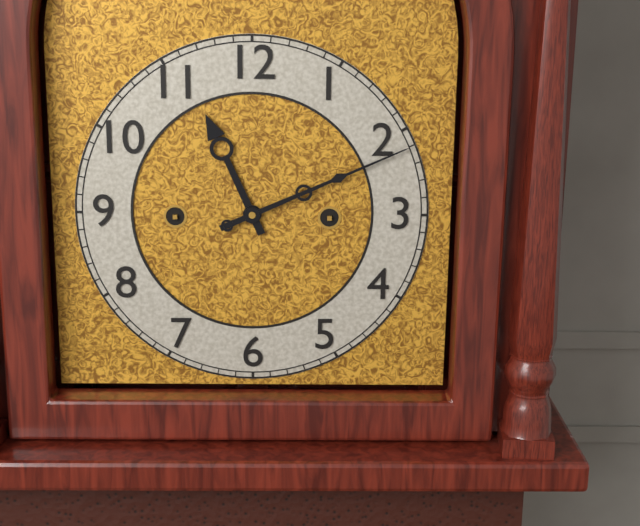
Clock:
11 h 11 min
